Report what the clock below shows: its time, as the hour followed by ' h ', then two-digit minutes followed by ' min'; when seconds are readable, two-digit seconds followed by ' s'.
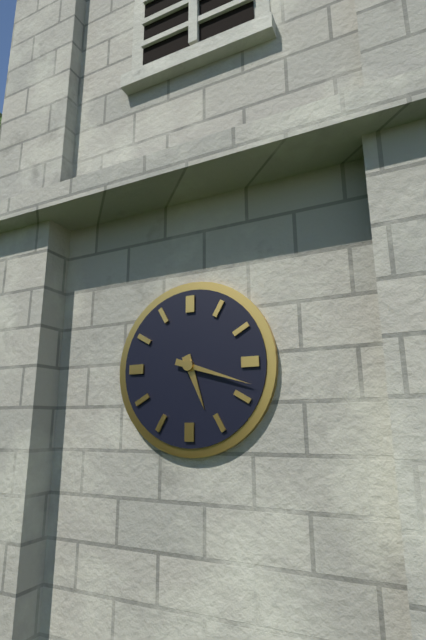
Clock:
5 h 18 min
